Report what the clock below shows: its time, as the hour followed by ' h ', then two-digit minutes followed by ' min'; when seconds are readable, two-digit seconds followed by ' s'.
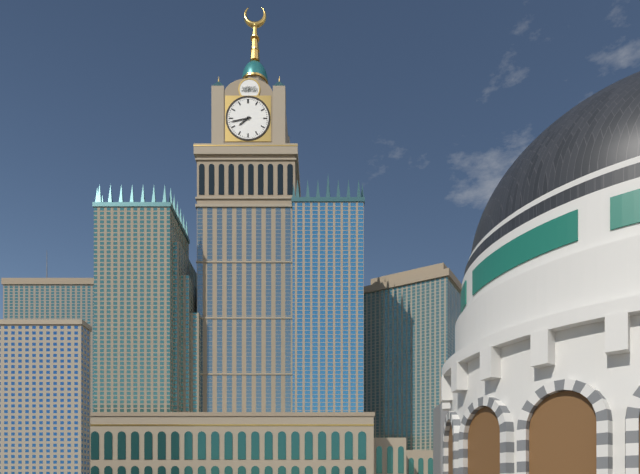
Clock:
7 h 43 min
